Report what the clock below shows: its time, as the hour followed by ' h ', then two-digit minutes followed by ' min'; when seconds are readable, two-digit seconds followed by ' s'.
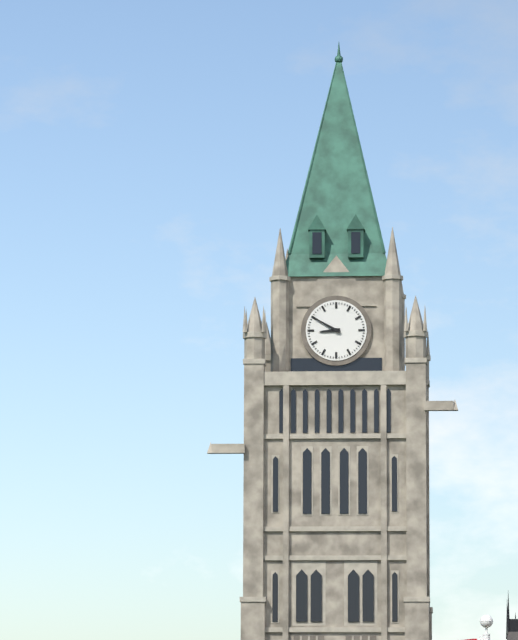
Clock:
8 h 50 min
